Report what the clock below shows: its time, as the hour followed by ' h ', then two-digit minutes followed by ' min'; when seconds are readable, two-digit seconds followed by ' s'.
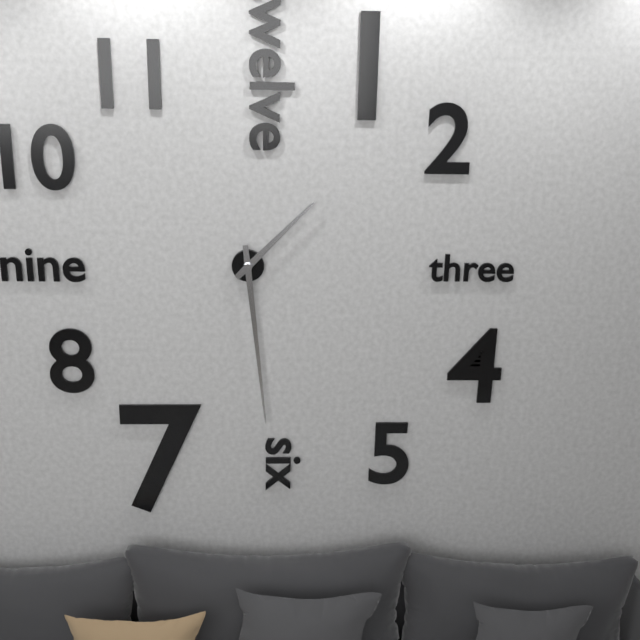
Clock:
1 h 29 min
